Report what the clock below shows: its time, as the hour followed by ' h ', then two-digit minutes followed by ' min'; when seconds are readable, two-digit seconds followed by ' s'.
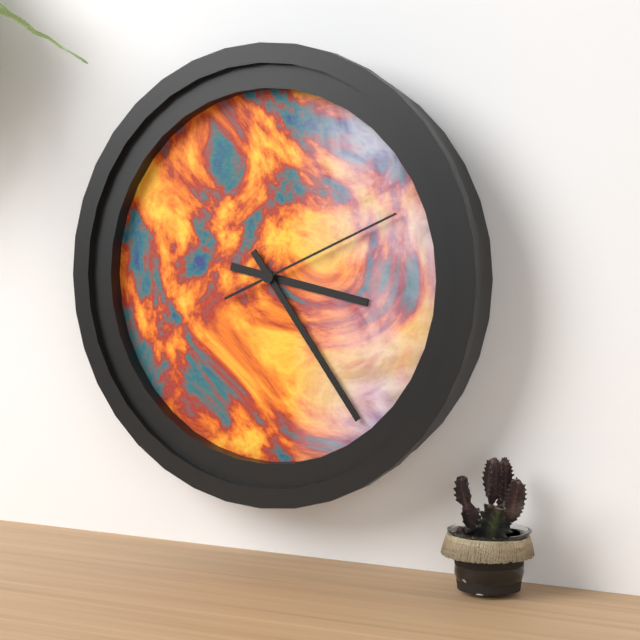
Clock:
3 h 24 min 11 s
